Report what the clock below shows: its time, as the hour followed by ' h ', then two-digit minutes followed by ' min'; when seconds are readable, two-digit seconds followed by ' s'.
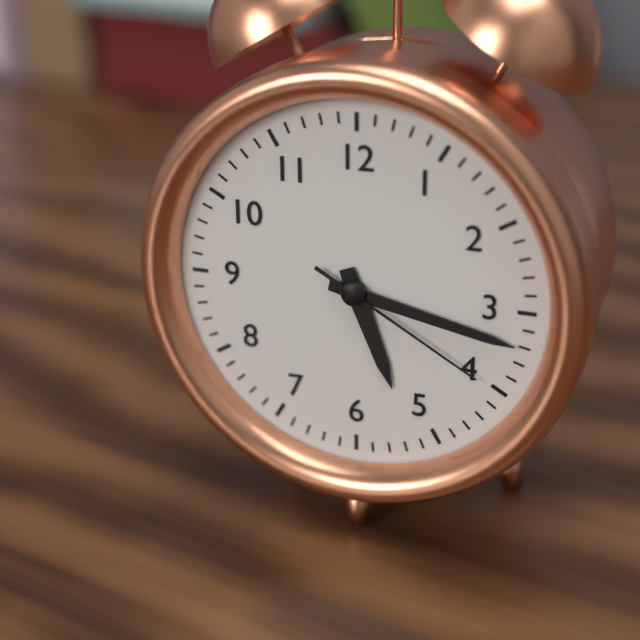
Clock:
5 h 17 min 20 s
